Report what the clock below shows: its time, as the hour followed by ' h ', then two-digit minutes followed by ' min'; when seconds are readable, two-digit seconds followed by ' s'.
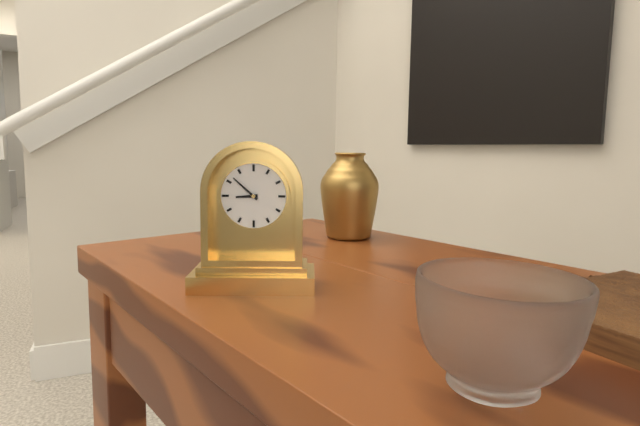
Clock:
8 h 52 min
